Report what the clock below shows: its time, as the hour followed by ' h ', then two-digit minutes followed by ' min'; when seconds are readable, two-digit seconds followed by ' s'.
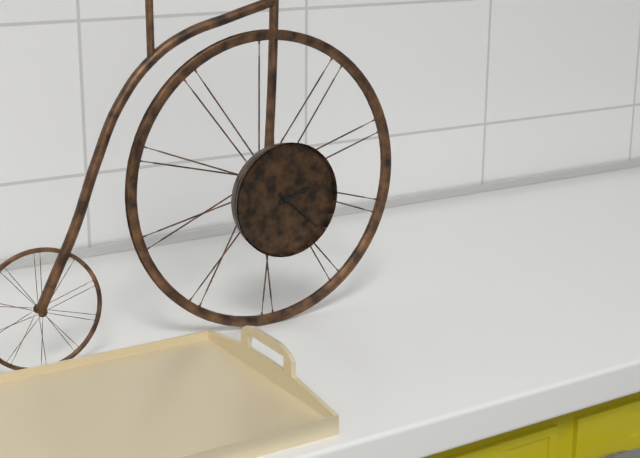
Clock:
2 h 22 min
